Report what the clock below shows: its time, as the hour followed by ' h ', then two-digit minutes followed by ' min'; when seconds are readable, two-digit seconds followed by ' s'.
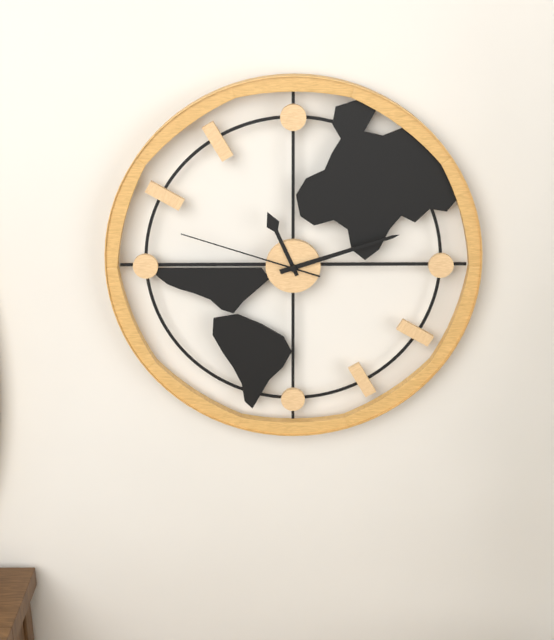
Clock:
11 h 12 min 48 s
